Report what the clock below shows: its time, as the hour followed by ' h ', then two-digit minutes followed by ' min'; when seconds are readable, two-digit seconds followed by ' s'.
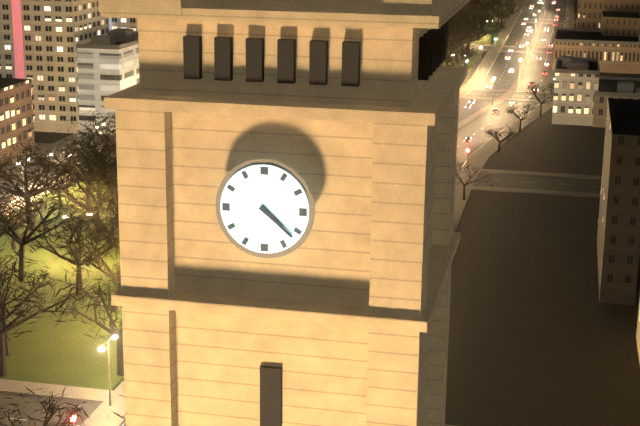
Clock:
4 h 22 min
